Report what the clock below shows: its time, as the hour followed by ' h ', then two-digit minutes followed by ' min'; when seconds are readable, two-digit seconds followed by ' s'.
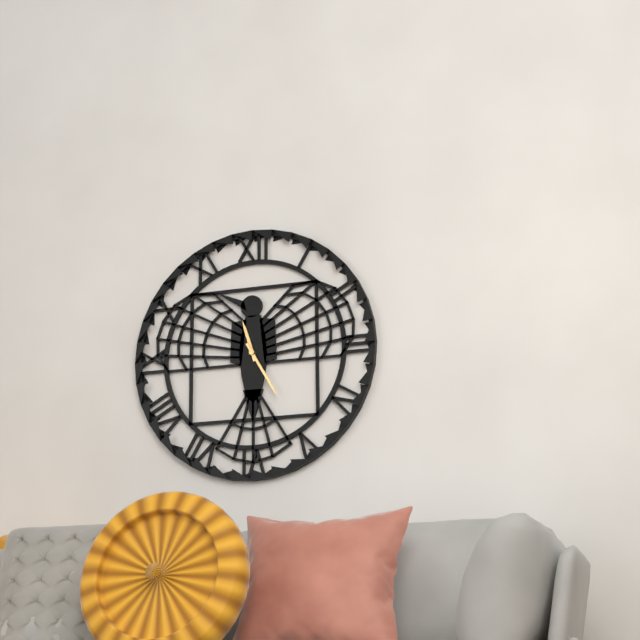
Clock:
11 h 25 min
